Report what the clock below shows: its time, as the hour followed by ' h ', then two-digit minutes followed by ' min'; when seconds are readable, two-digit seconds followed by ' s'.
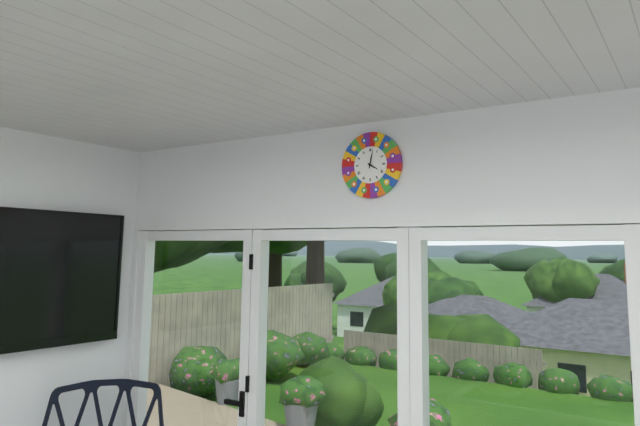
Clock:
4 h 02 min
